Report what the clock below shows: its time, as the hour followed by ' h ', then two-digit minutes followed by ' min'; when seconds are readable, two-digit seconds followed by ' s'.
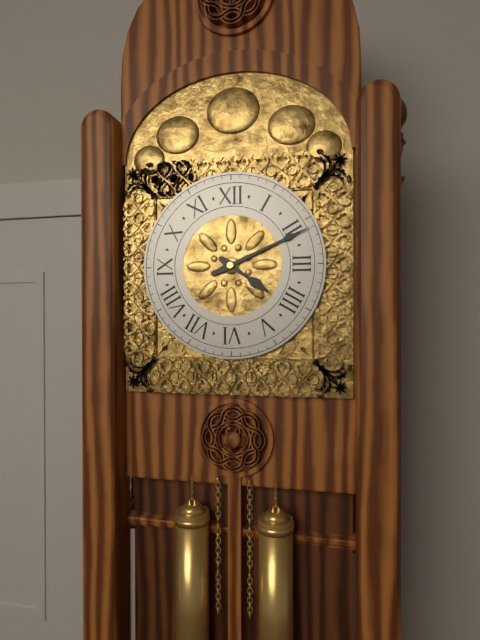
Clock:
4 h 11 min
